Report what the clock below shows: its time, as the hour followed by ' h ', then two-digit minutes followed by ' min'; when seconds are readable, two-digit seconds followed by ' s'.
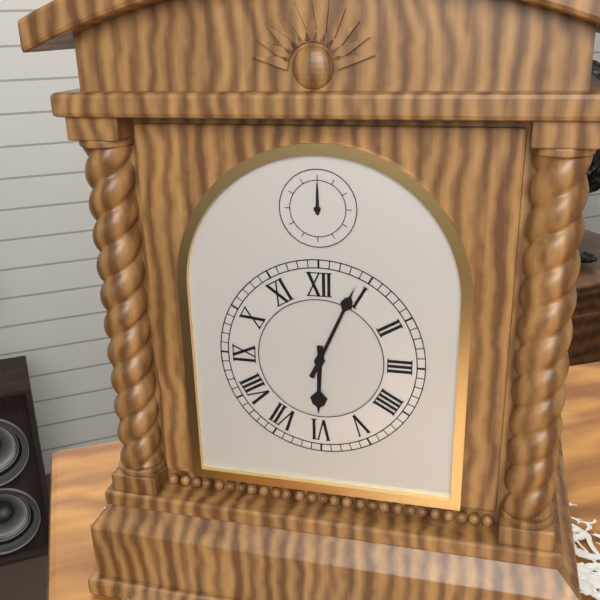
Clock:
6 h 04 min
